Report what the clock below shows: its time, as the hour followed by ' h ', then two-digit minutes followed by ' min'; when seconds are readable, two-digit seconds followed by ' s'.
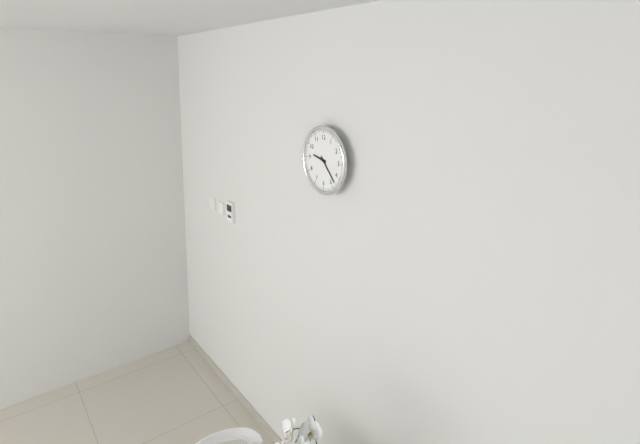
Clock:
9 h 23 min
